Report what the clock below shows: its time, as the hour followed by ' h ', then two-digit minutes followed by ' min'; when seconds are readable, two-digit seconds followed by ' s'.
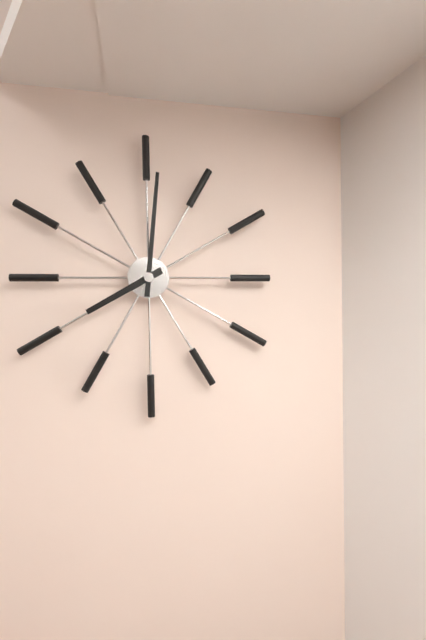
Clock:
8 h 01 min
